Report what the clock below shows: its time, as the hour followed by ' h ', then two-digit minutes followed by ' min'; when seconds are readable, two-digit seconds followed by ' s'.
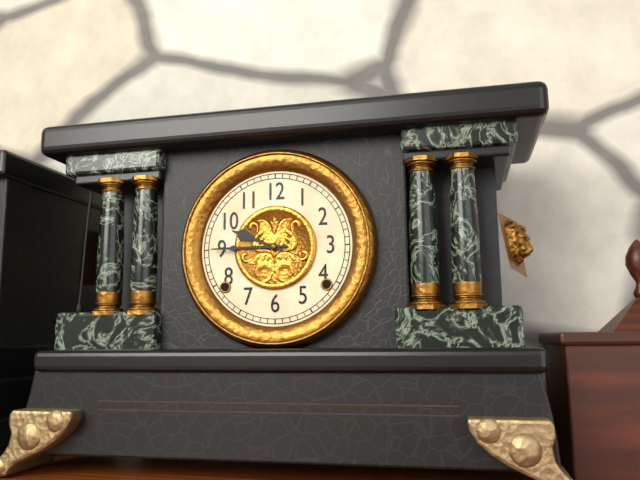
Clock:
9 h 45 min
